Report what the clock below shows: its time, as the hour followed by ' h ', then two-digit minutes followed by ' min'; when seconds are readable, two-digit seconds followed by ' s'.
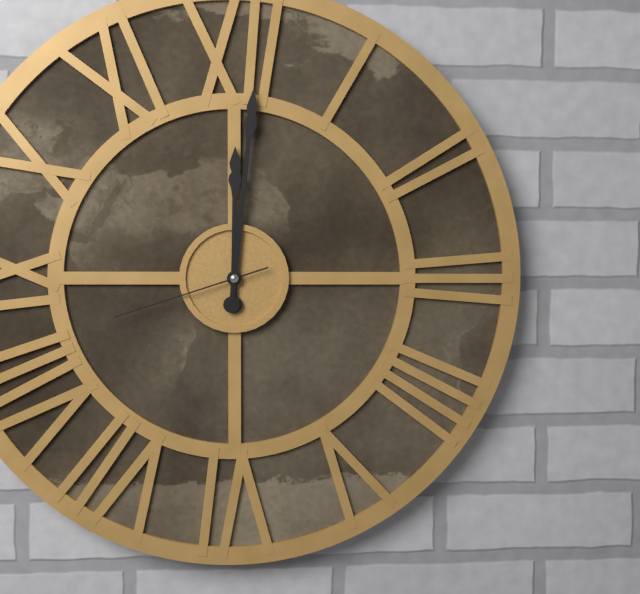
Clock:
12 h 01 min 42 s
